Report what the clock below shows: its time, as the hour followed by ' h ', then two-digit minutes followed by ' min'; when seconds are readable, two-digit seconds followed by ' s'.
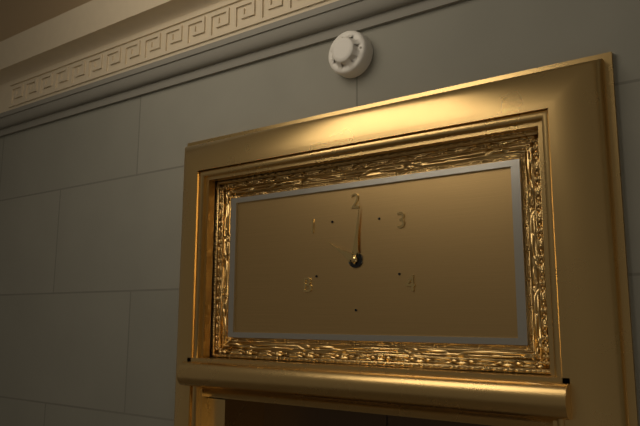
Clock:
10 h 01 min
